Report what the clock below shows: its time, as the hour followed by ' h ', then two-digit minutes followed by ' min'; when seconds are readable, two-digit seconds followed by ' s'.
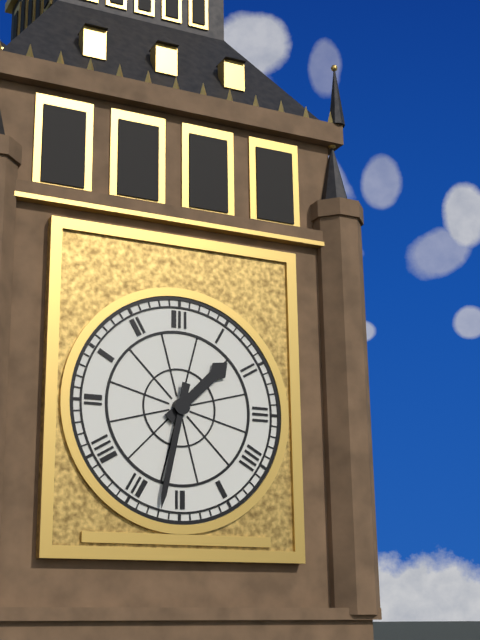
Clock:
1 h 32 min
